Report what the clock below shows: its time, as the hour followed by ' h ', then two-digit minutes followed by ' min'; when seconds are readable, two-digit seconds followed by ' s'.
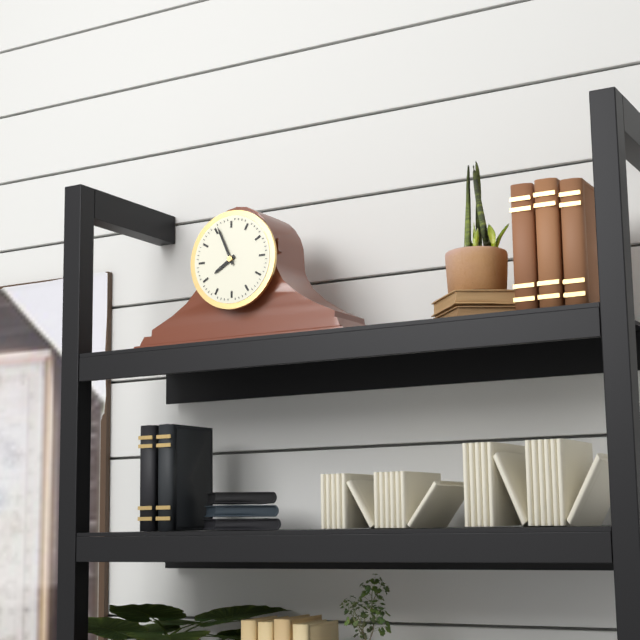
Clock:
7 h 56 min
